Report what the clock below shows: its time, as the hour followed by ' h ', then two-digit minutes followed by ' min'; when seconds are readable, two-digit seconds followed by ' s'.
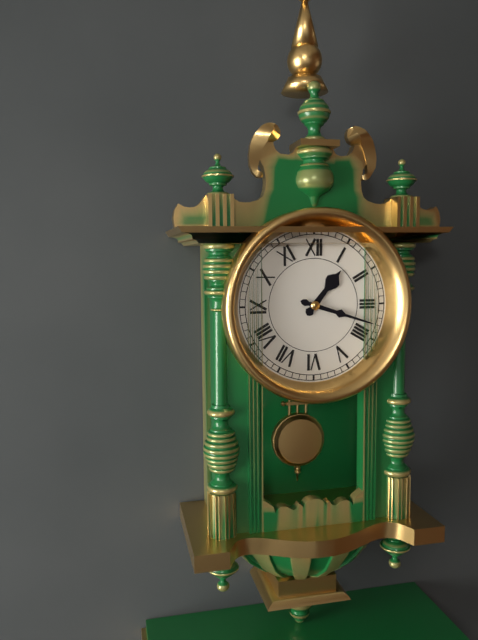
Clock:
1 h 18 min
